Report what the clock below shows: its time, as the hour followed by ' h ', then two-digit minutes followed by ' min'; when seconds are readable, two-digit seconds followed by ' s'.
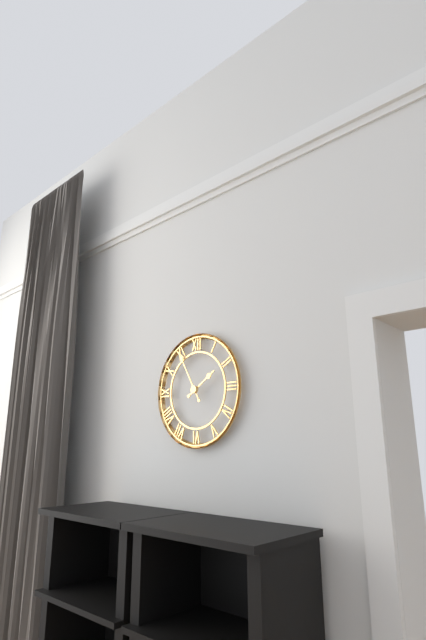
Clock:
1 h 55 min
